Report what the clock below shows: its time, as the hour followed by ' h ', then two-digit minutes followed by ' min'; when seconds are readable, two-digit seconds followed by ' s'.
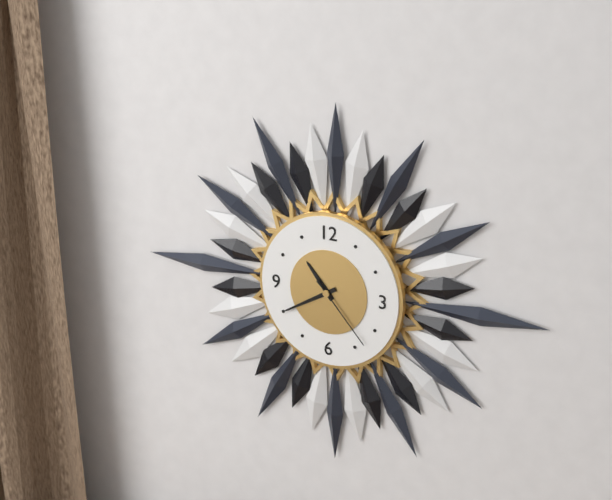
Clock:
10 h 40 min 23 s
